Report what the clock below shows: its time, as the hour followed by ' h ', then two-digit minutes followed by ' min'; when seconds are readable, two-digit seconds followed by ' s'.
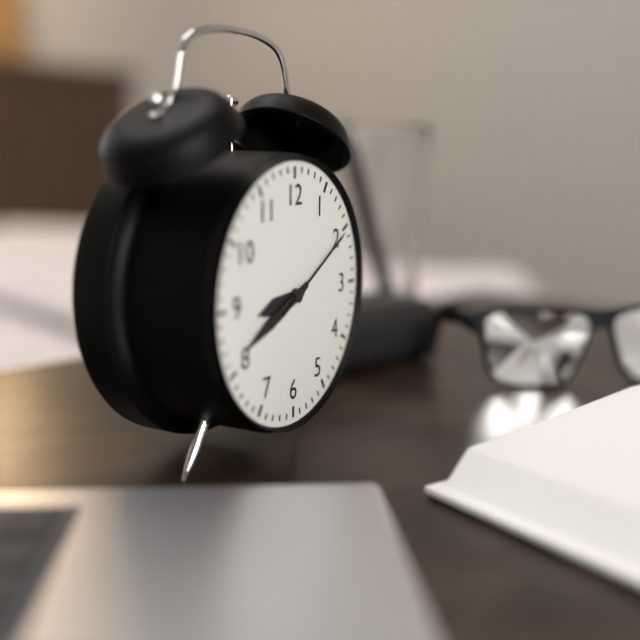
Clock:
8 h 41 min 10 s
